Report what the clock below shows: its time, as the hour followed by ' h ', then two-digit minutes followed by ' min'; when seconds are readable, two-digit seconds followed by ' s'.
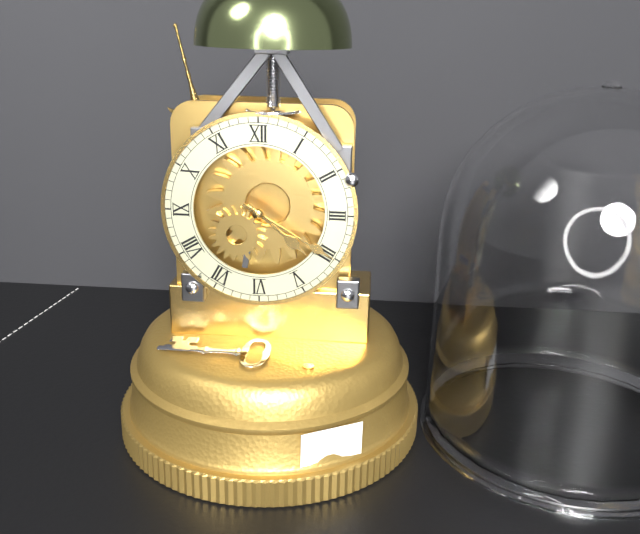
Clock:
4 h 20 min
